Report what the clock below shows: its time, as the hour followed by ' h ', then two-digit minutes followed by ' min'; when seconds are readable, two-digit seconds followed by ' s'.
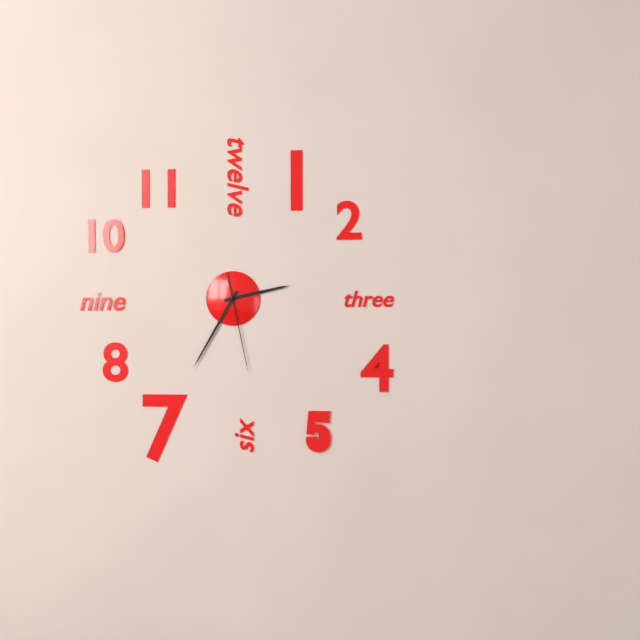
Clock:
2 h 35 min 28 s
